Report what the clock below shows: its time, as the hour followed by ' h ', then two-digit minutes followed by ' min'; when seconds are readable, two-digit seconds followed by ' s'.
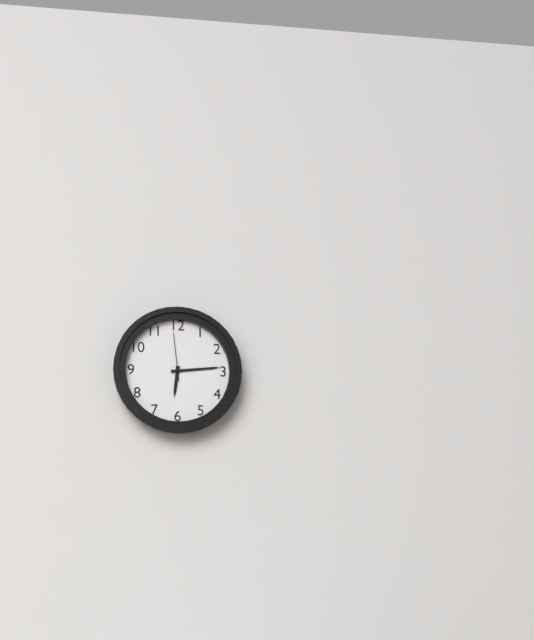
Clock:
6 h 14 min
